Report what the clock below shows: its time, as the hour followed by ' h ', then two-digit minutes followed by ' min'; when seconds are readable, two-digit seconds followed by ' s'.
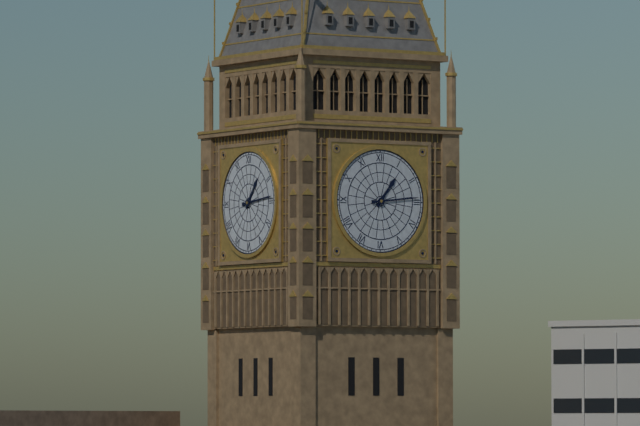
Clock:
1 h 14 min
